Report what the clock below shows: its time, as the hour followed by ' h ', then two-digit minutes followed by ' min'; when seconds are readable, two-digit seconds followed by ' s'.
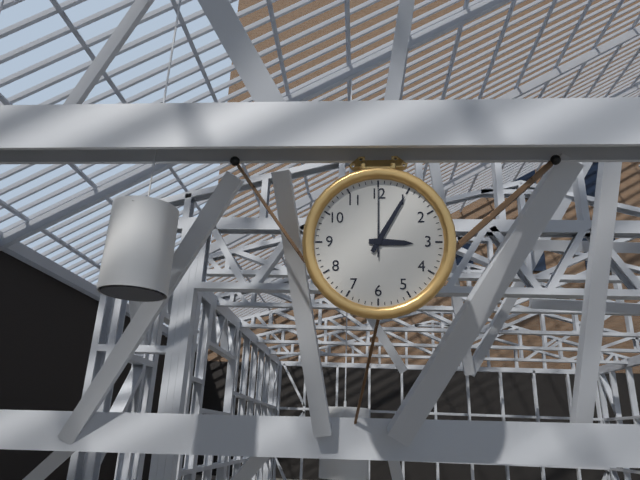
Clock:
3 h 05 min 00 s
